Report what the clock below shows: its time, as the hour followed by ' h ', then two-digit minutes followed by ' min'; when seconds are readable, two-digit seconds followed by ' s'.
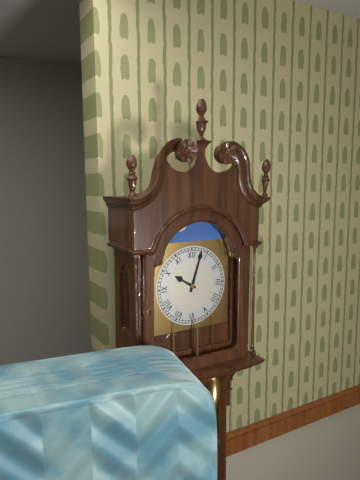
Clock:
10 h 03 min
